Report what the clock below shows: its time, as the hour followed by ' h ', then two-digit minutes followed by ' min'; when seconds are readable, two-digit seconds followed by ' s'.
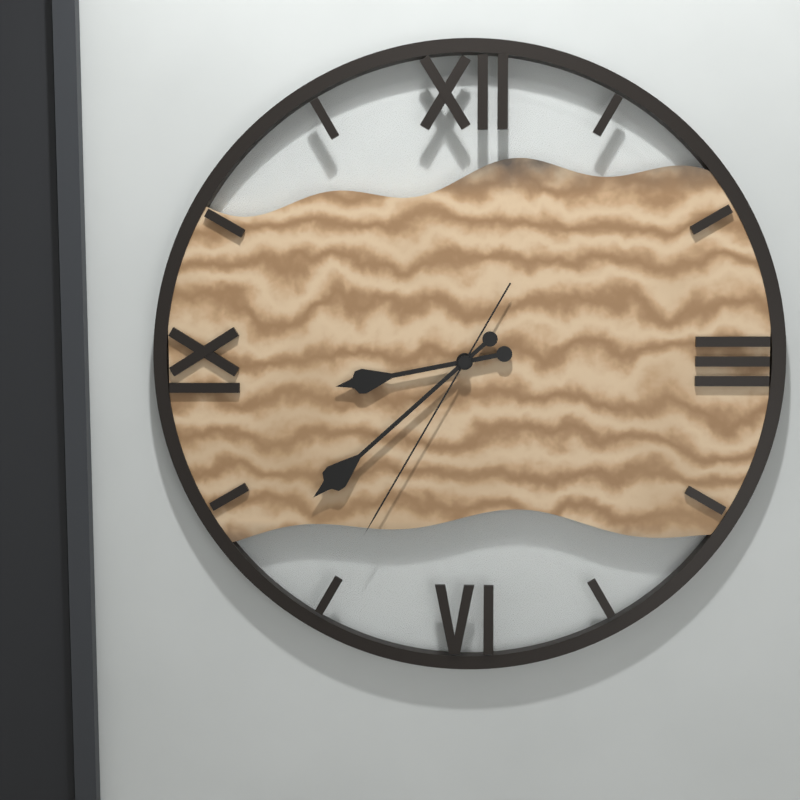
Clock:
8 h 38 min 35 s
